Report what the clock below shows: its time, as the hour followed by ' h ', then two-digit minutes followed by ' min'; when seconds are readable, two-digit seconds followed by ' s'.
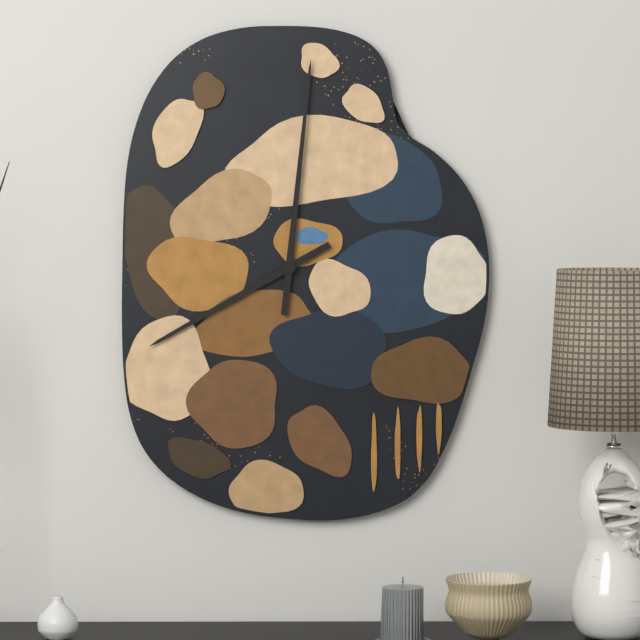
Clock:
8 h 01 min
